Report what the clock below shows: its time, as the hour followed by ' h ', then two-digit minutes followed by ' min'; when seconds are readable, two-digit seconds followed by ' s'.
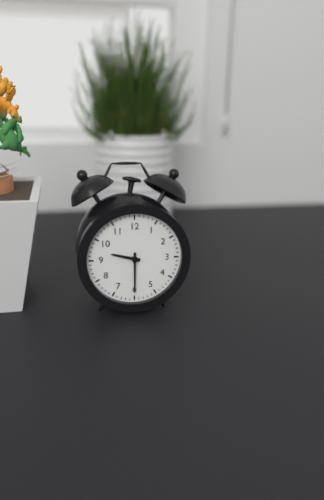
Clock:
9 h 30 min
